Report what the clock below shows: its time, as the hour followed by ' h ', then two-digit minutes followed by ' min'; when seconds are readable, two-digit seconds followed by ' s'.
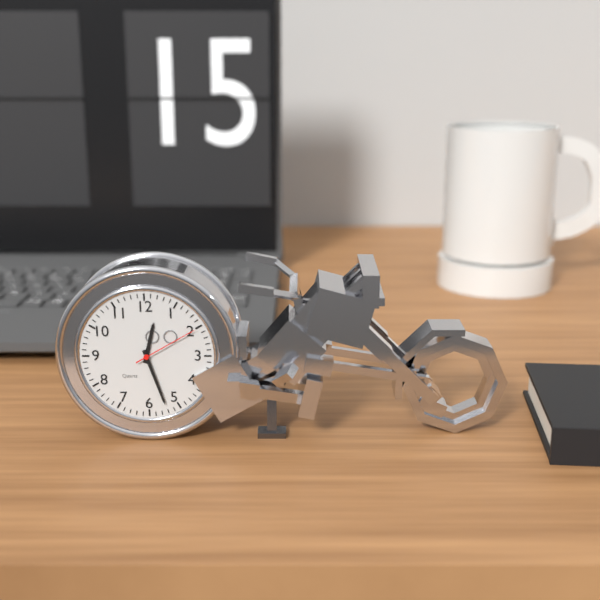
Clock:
12 h 27 min 10 s
